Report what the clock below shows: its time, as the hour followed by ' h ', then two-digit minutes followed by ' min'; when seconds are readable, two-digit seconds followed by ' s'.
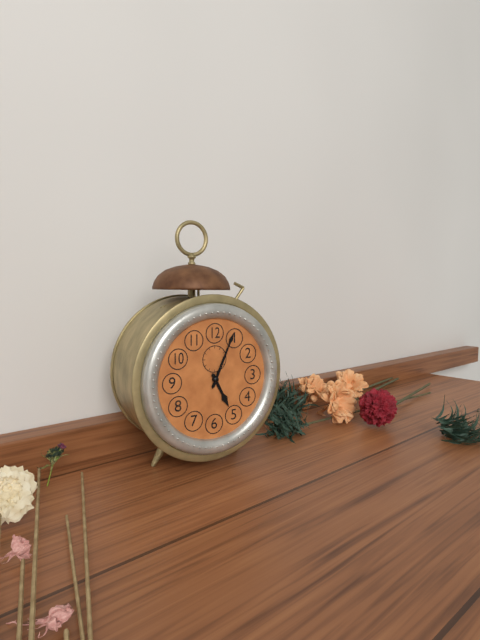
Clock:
5 h 04 min
